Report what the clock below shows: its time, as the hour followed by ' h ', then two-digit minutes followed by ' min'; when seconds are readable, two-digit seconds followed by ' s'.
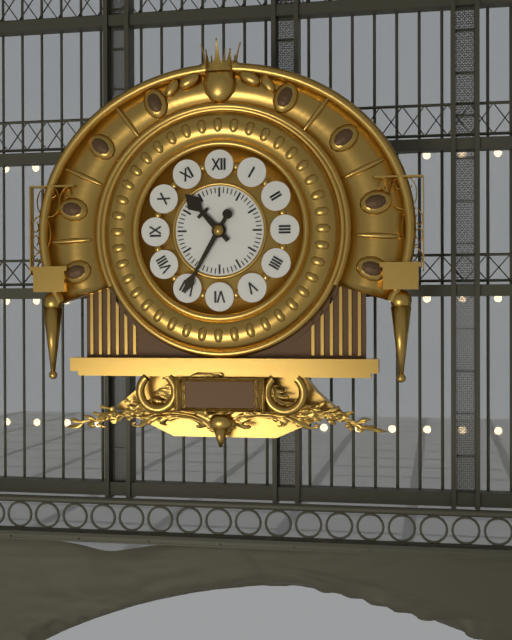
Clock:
10 h 35 min
